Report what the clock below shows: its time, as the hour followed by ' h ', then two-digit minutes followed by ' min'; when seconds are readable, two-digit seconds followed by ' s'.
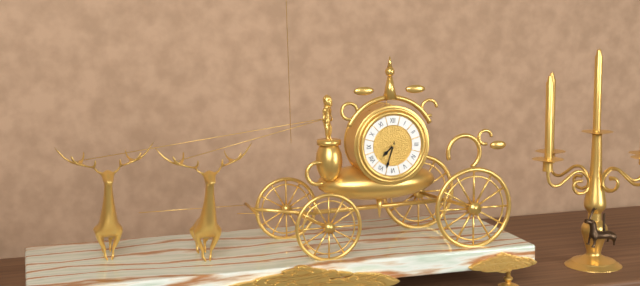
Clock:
7 h 33 min
